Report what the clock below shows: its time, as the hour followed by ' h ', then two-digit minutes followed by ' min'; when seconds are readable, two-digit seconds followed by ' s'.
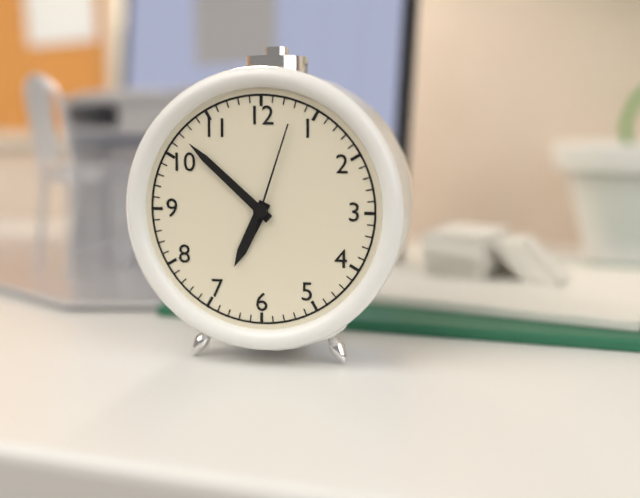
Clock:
6 h 52 min 03 s
